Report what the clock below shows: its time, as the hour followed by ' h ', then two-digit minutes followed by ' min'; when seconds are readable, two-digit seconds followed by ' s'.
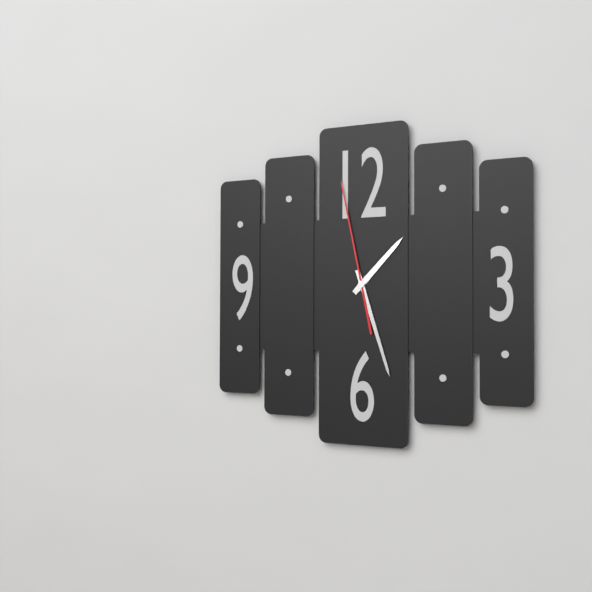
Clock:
1 h 27 min 58 s
